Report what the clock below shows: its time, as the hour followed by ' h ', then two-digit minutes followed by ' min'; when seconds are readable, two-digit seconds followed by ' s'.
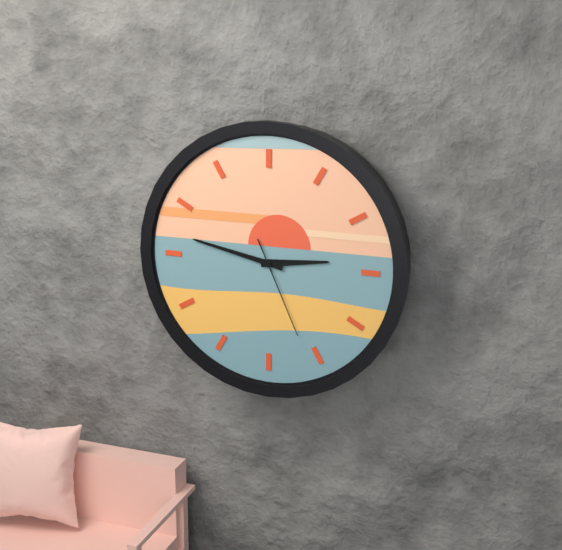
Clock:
2 h 47 min 26 s
